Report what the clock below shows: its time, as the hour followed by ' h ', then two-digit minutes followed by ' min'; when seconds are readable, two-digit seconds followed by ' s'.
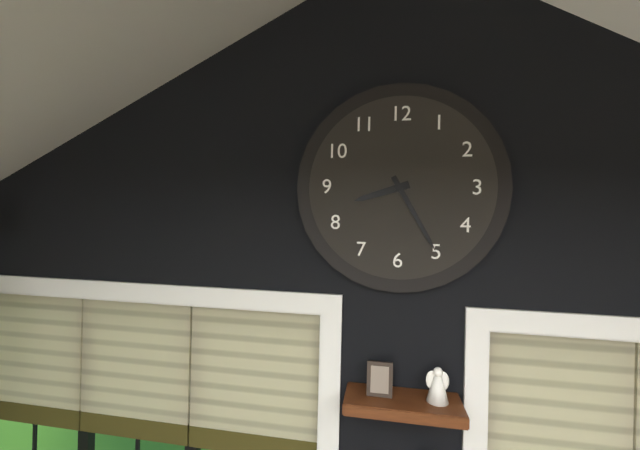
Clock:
8 h 25 min
